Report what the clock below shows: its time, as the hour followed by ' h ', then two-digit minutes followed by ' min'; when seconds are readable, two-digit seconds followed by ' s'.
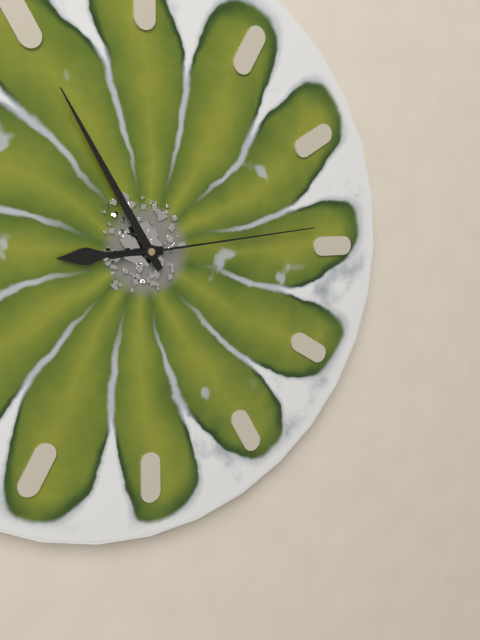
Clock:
8 h 55 min 14 s
